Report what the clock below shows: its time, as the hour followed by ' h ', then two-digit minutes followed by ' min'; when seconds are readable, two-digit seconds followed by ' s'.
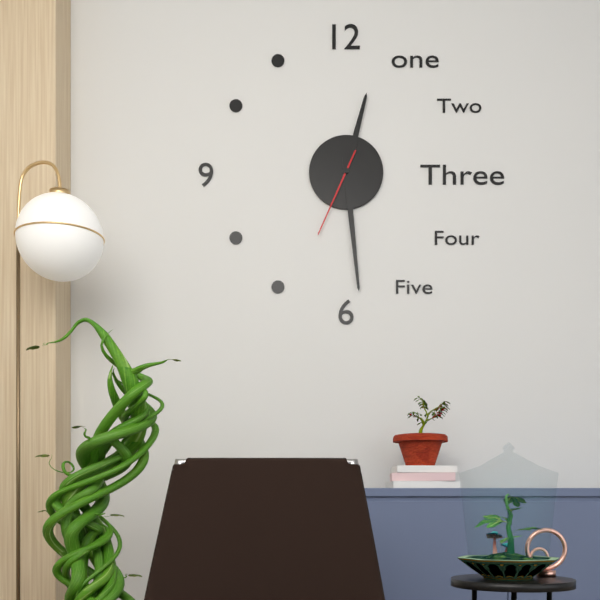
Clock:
12 h 29 min 34 s
